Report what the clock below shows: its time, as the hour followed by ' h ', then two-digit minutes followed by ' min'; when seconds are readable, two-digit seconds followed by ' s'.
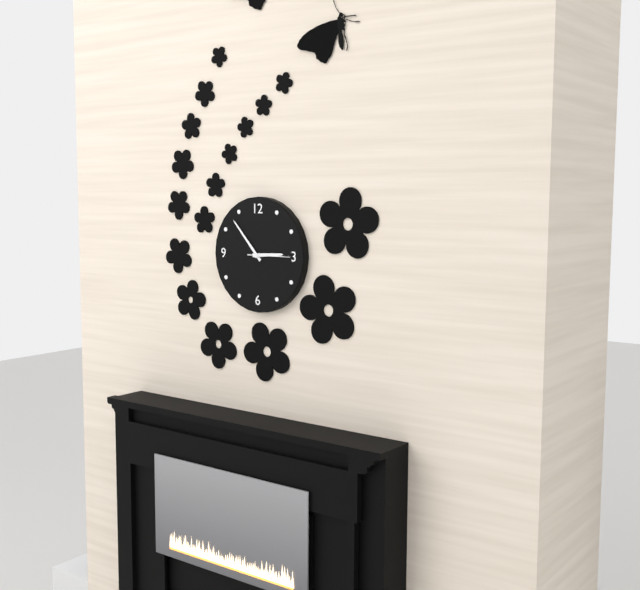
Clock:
2 h 53 min
